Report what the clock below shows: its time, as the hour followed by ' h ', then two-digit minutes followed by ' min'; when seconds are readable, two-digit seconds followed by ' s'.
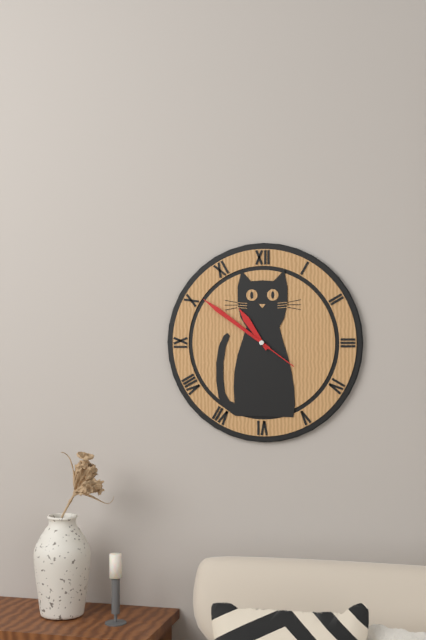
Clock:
10 h 51 min 51 s
